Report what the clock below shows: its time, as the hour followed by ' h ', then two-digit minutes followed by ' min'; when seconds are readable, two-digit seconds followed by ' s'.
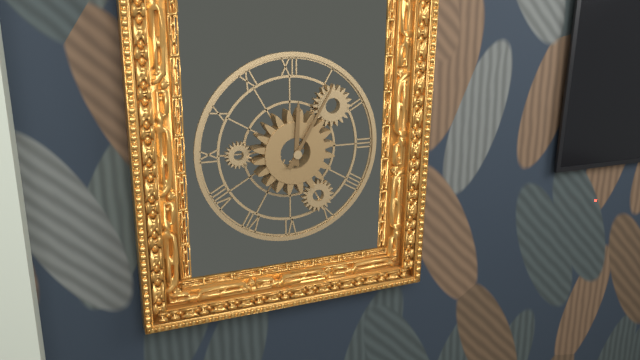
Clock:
12 h 05 min
